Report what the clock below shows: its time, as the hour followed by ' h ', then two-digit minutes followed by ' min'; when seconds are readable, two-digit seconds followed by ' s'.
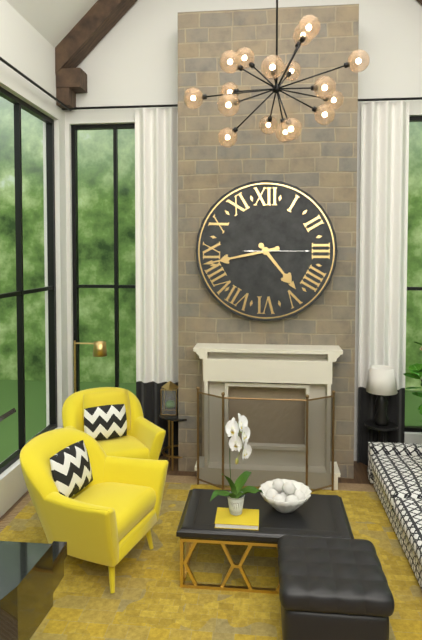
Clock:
4 h 43 min 15 s
